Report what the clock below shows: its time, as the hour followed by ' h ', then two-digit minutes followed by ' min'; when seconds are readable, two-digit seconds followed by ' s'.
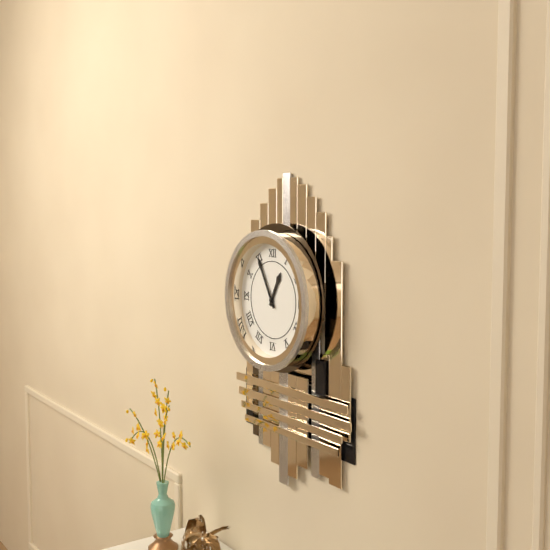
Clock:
12 h 55 min
